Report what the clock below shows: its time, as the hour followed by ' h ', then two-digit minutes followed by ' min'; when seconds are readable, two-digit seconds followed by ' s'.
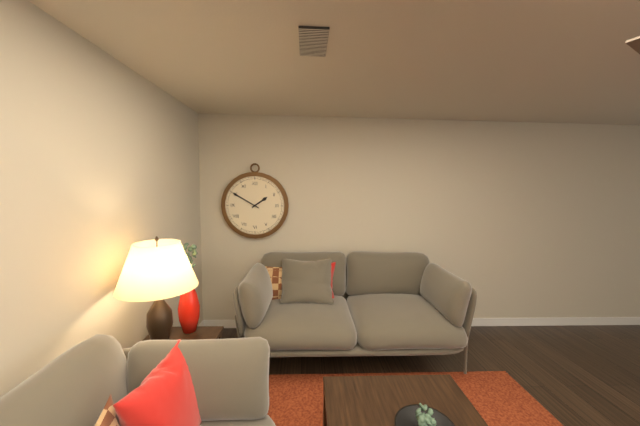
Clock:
1 h 50 min
